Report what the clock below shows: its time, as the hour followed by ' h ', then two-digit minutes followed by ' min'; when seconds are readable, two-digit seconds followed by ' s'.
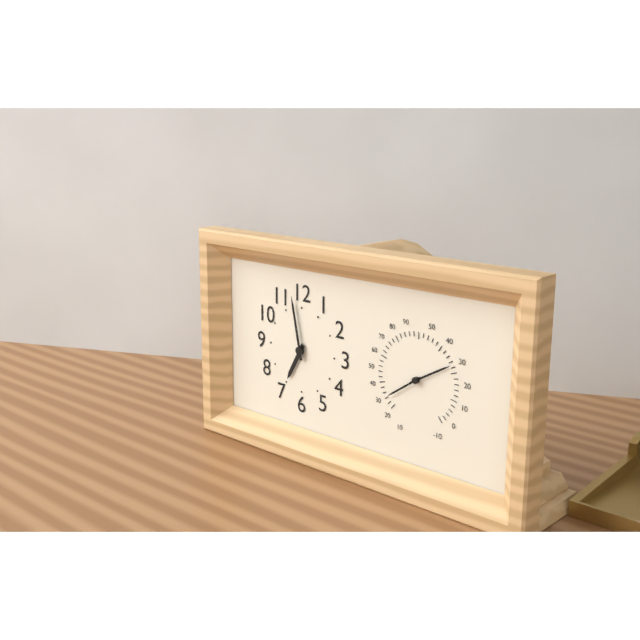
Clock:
6 h 58 min
